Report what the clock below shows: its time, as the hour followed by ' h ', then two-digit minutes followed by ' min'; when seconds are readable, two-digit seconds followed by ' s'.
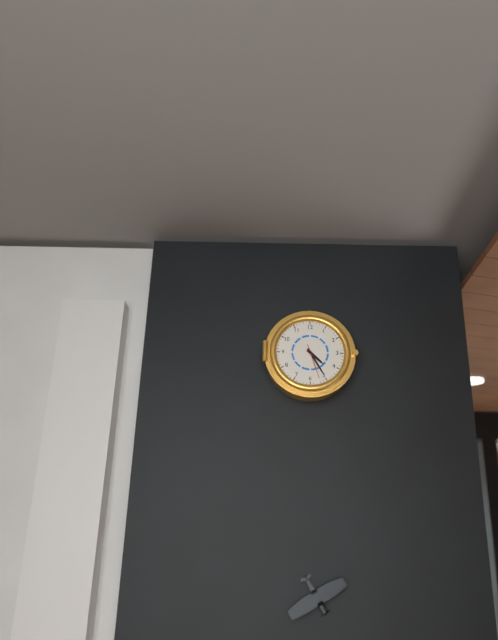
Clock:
4 h 25 min
